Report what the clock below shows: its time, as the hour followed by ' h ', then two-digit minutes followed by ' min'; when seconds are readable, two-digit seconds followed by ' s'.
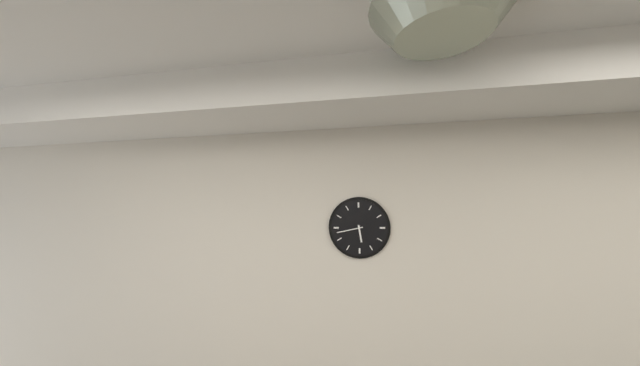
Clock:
5 h 43 min
